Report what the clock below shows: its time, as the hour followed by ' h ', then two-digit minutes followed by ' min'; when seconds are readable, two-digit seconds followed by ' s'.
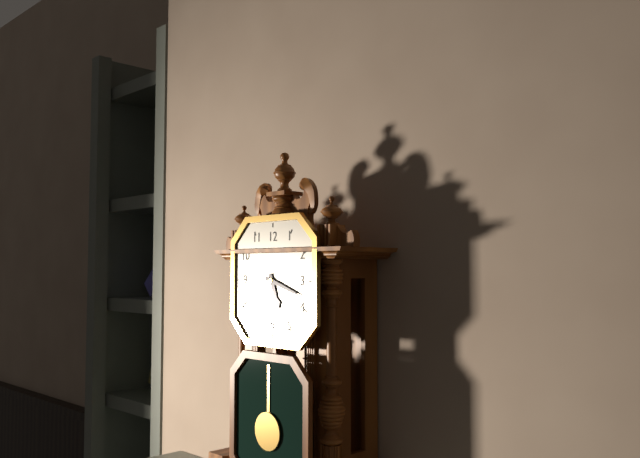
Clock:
5 h 18 min
